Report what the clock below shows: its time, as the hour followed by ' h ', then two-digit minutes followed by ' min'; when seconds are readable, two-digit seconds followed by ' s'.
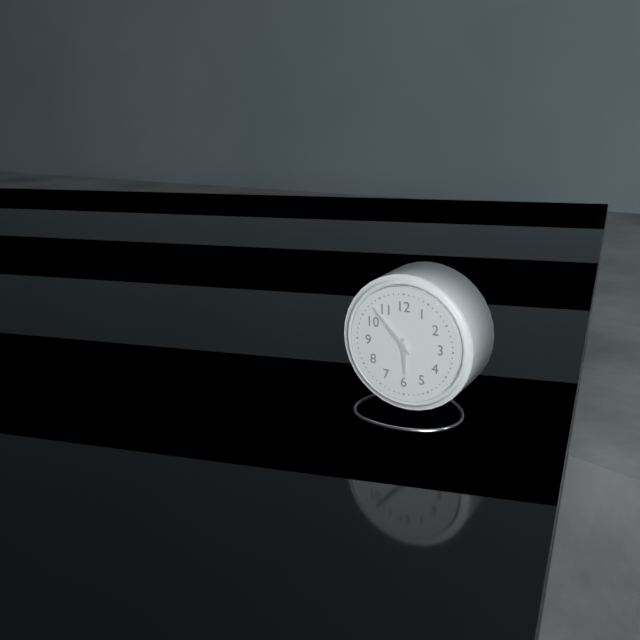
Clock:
5 h 53 min
